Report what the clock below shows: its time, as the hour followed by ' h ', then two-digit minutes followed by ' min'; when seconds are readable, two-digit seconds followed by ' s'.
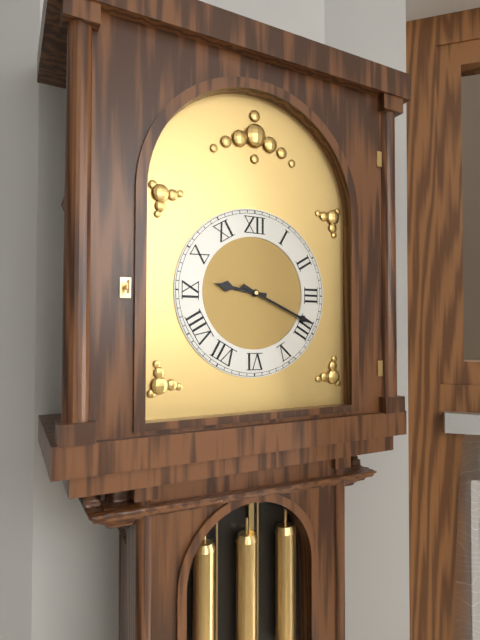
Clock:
9 h 19 min
